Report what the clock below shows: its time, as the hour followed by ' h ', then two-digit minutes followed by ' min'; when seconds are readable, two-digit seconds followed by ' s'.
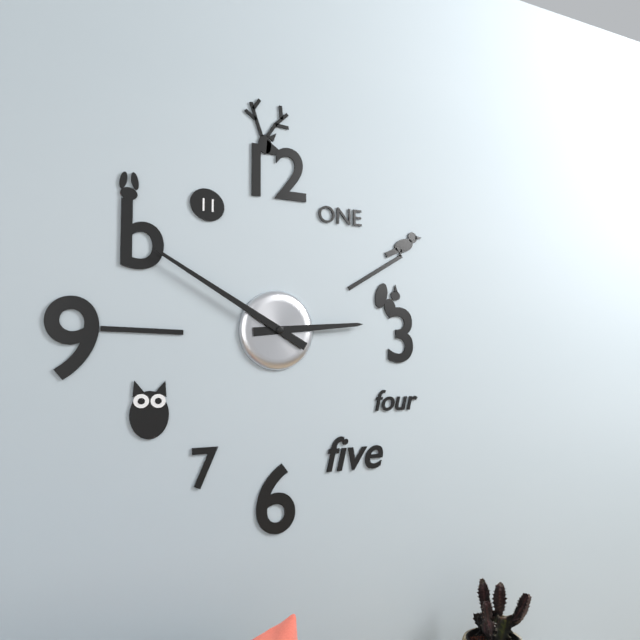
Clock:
2 h 50 min
